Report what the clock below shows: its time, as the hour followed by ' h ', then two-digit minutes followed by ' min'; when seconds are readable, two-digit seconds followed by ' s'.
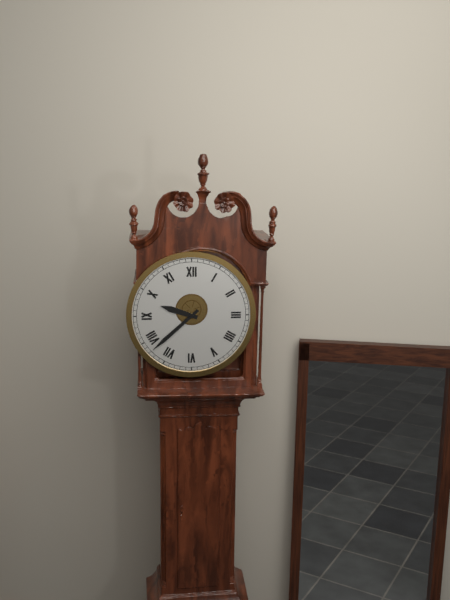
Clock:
9 h 38 min
